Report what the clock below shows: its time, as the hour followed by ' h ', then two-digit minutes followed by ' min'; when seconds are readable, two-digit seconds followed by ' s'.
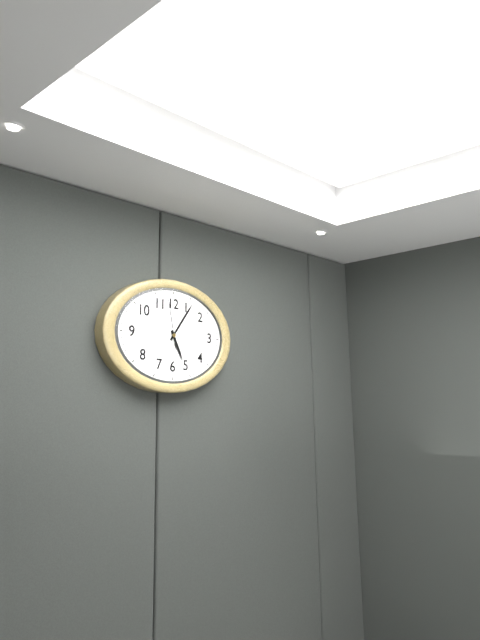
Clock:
5 h 06 min
